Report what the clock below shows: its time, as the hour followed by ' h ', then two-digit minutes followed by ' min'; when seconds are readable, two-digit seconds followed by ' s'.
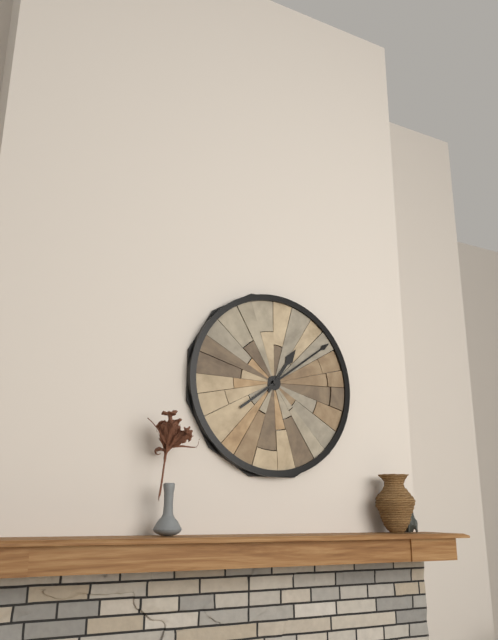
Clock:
1 h 09 min
